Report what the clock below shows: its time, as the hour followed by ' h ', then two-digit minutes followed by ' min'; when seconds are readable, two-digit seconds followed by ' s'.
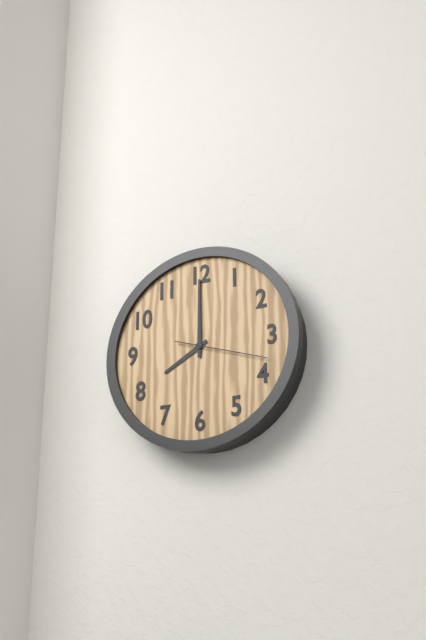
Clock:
8 h 00 min 18 s
